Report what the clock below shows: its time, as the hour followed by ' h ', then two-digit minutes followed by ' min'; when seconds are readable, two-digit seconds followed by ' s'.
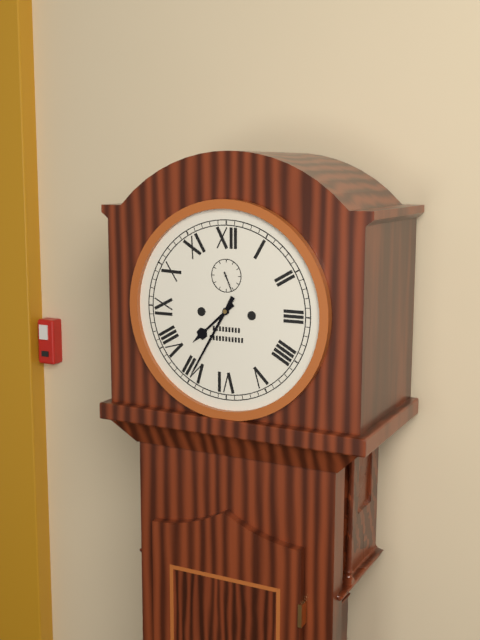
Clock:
7 h 35 min
